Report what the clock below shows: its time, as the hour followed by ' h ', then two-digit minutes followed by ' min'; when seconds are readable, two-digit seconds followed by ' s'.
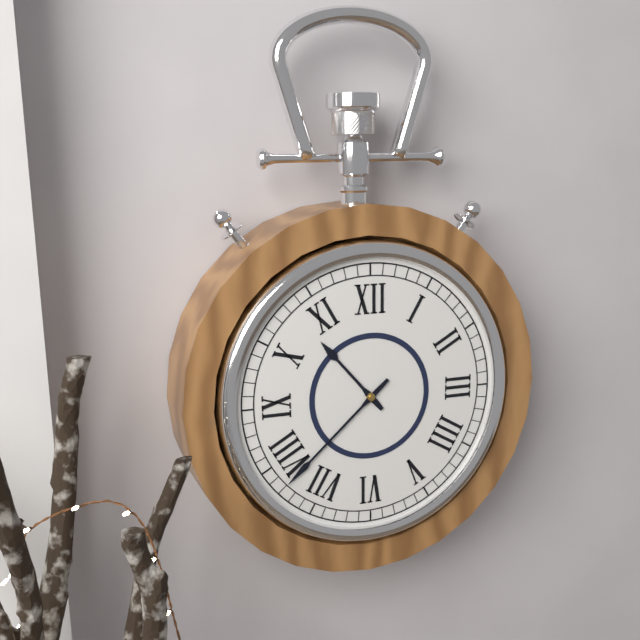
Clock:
10 h 38 min
